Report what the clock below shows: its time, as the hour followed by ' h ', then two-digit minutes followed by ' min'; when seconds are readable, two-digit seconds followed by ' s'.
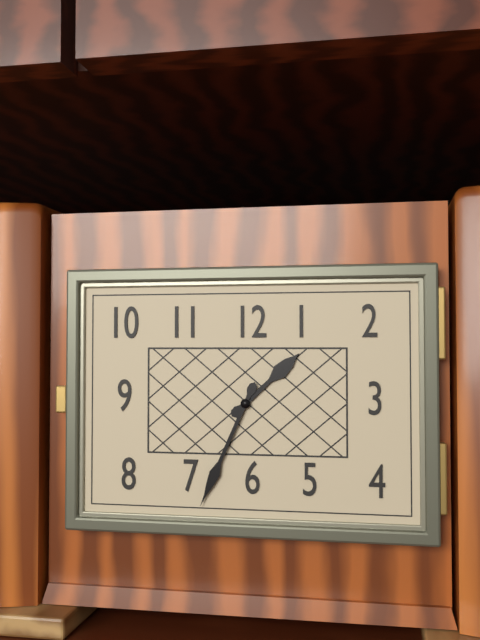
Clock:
1 h 34 min
